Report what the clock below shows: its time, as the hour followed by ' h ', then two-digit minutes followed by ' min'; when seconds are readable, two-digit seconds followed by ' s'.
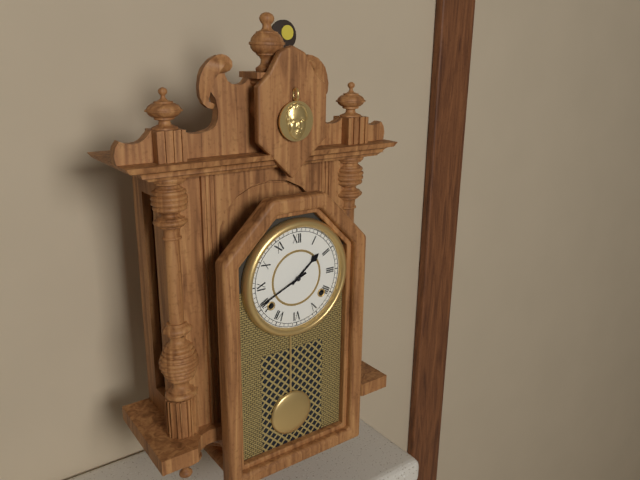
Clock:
1 h 41 min
